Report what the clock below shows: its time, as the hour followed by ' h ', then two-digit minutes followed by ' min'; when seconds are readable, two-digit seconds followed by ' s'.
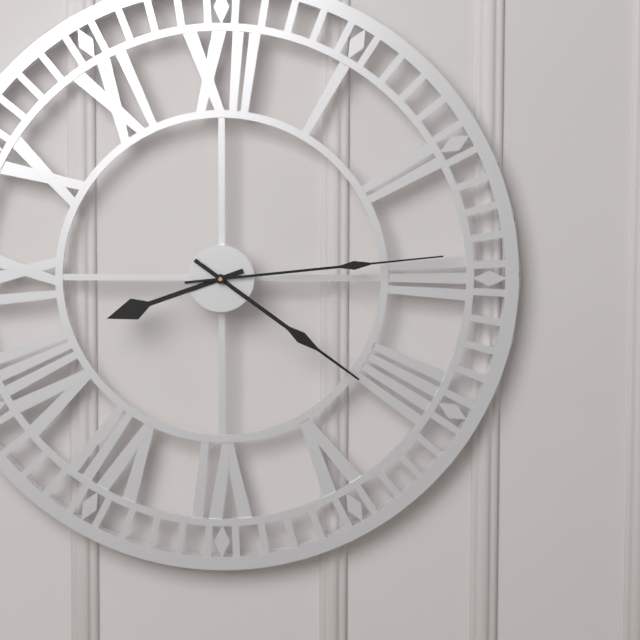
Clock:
8 h 21 min 14 s
